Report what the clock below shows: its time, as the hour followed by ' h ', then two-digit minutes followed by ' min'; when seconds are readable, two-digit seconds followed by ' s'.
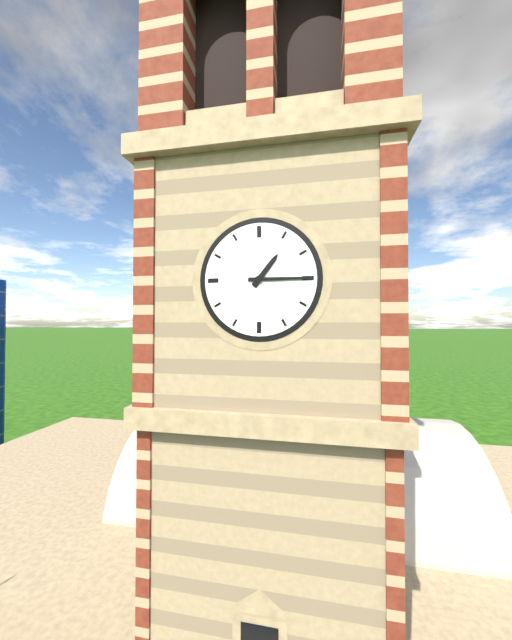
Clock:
1 h 15 min
